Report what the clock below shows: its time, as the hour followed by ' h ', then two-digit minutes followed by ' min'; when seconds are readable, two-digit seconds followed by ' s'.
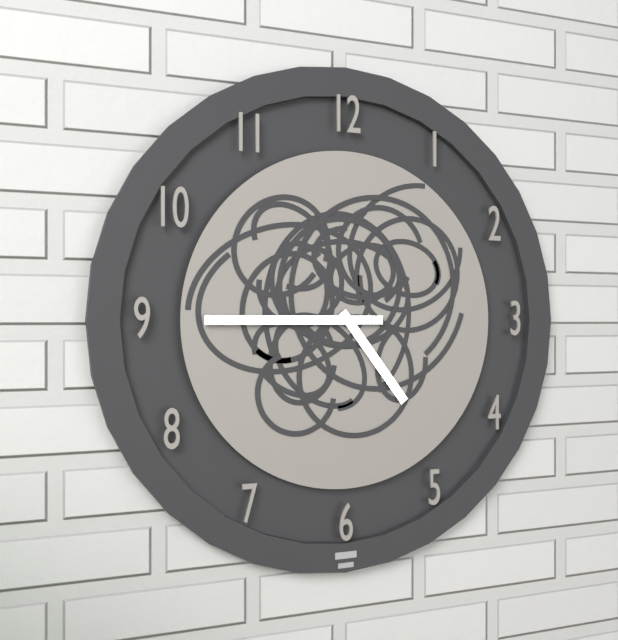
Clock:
4 h 45 min
